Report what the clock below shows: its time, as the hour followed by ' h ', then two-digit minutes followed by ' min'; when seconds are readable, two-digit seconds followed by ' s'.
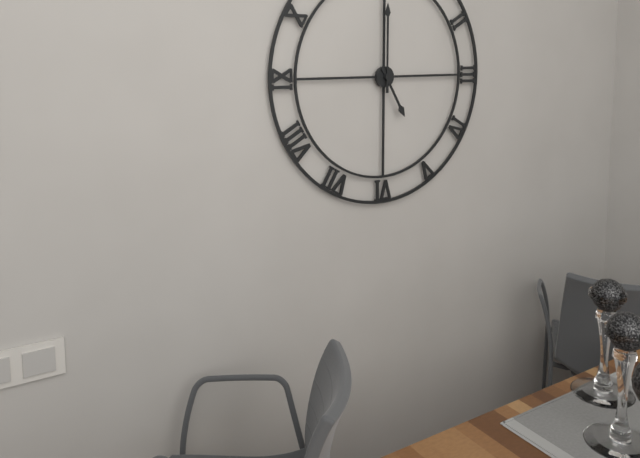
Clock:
5 h 00 min
